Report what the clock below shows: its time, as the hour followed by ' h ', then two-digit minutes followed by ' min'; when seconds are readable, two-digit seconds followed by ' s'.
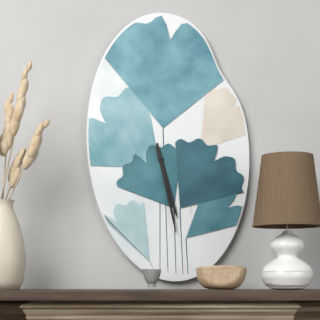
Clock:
5 h 28 min
